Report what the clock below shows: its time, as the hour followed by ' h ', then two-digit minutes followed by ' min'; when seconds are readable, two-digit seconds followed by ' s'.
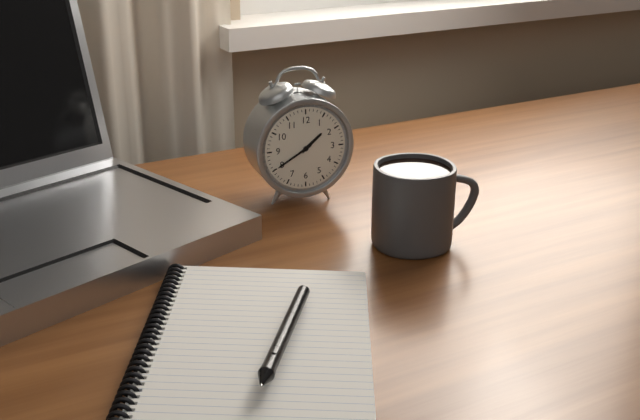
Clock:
1 h 40 min
